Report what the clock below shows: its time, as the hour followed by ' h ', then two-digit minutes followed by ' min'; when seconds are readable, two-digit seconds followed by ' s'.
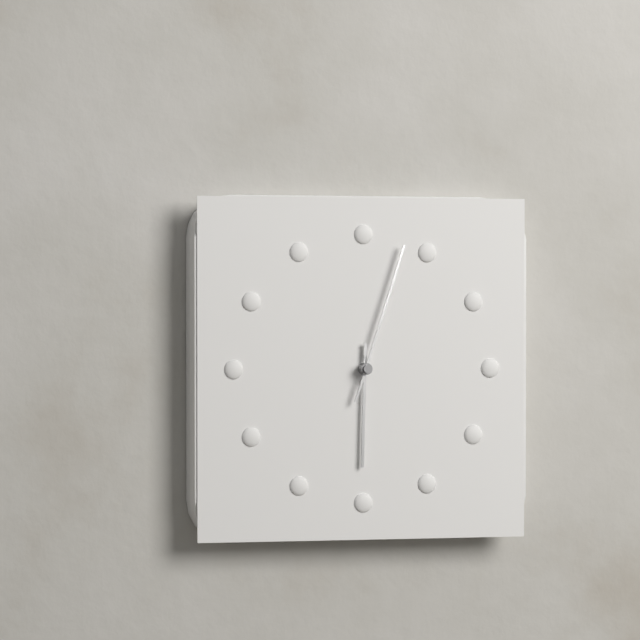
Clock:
6 h 03 min
